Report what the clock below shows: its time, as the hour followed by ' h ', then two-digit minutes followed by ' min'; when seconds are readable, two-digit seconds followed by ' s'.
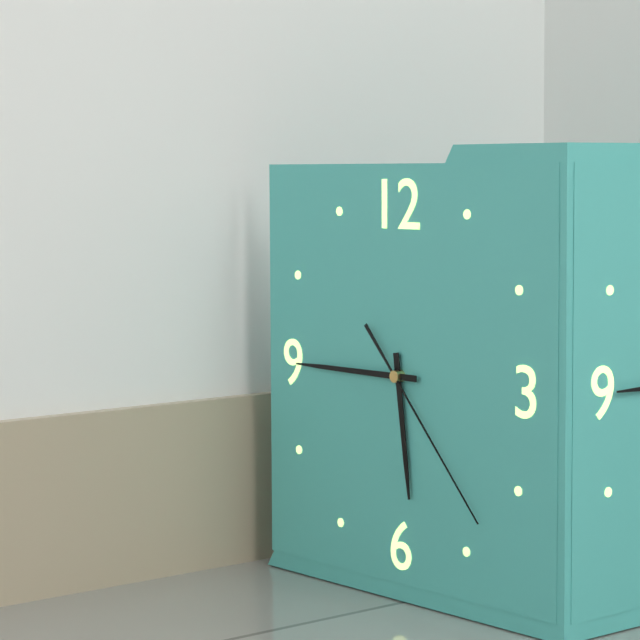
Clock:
5 h 45 min 23 s
